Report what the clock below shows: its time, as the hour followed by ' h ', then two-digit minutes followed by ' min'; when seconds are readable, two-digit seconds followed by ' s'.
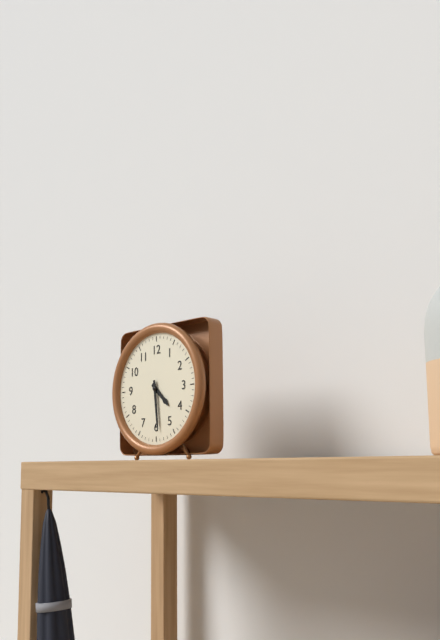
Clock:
4 h 29 min
